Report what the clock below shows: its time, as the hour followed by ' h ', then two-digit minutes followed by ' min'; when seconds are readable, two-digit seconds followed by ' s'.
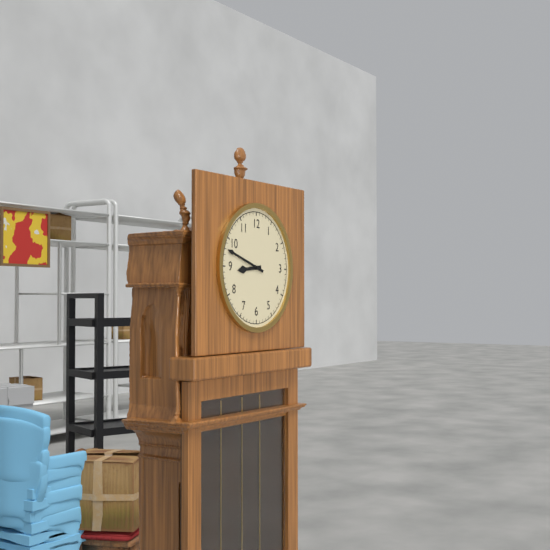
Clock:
8 h 48 min
